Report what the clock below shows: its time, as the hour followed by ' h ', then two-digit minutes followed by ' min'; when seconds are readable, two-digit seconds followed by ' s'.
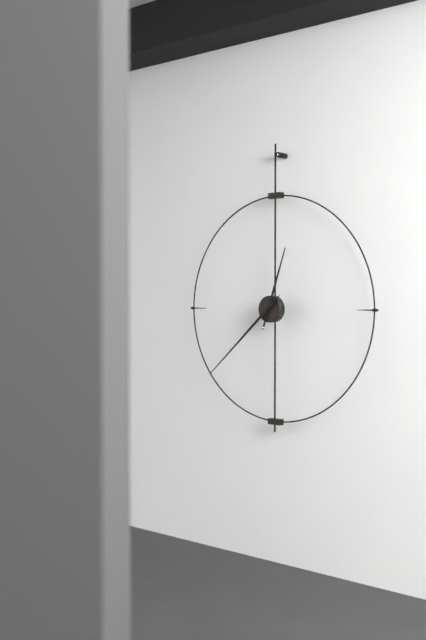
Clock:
12 h 38 min
